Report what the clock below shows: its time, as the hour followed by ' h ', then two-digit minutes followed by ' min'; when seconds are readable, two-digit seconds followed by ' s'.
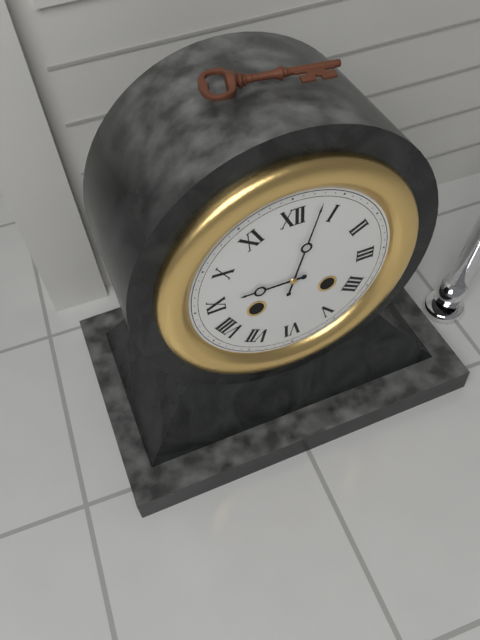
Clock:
9 h 03 min
